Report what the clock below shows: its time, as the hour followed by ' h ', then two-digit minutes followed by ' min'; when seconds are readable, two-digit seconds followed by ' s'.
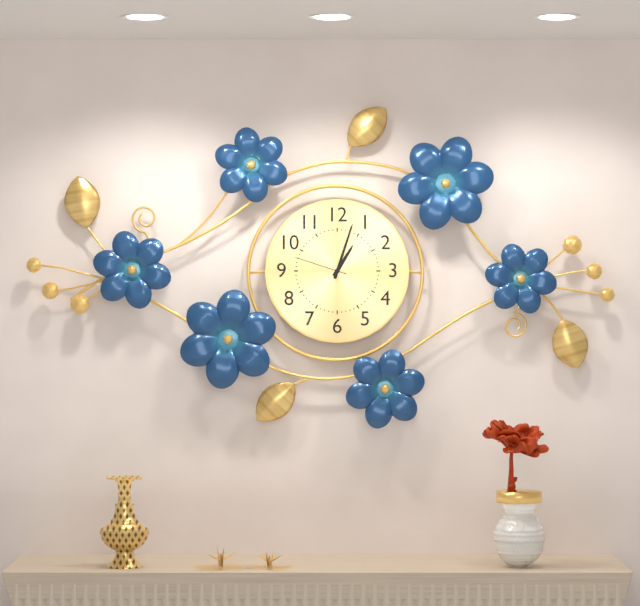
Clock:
1 h 03 min 48 s
